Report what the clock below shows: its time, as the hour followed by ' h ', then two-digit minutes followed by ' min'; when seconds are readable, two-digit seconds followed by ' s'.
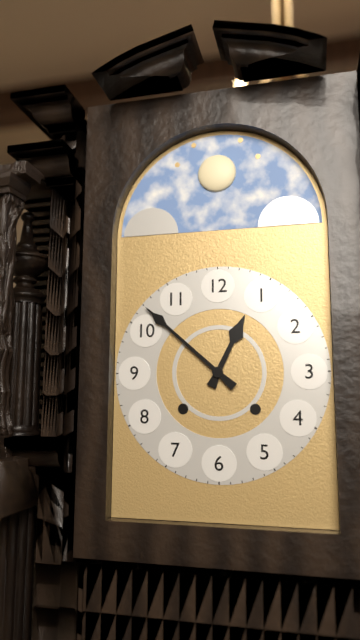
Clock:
12 h 52 min
